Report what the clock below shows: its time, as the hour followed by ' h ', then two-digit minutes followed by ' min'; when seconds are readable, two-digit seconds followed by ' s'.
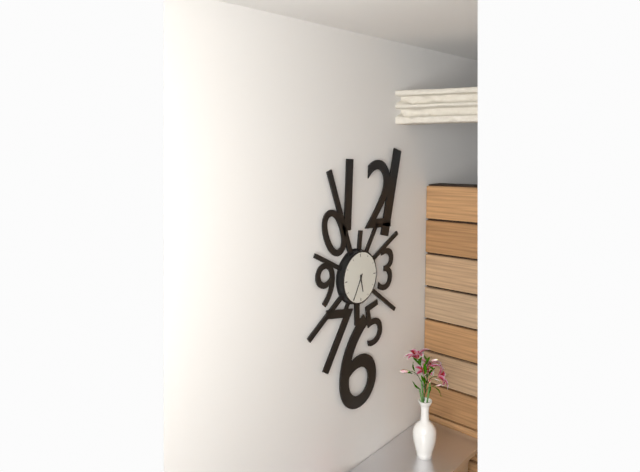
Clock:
5 h 35 min
